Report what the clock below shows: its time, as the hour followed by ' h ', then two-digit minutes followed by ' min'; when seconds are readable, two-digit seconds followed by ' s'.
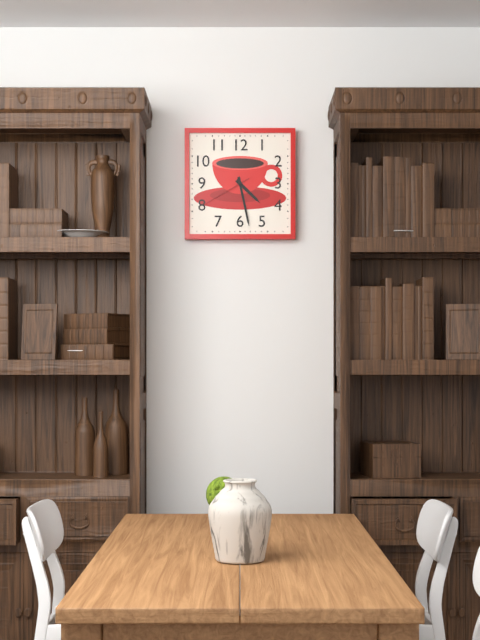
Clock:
4 h 28 min 40 s
